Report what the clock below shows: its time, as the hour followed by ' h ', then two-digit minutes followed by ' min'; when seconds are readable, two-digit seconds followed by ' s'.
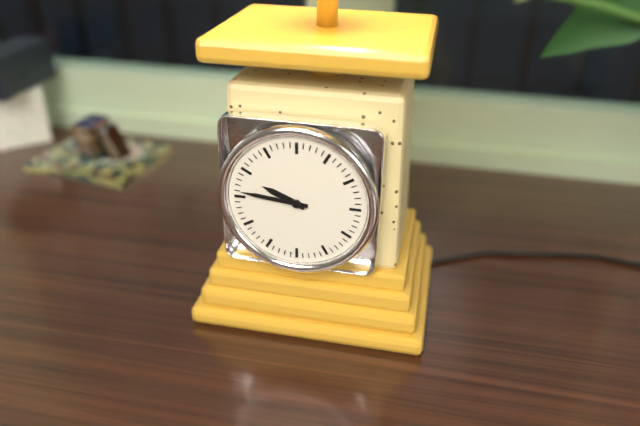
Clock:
9 h 46 min
